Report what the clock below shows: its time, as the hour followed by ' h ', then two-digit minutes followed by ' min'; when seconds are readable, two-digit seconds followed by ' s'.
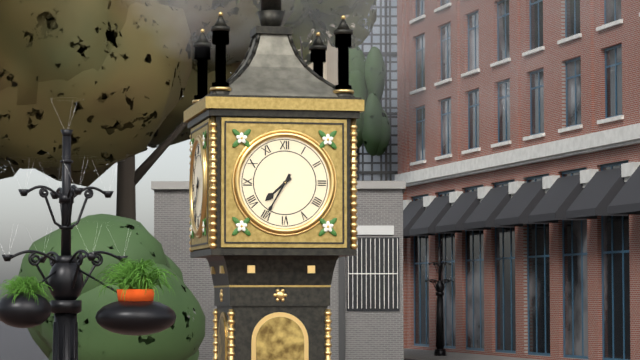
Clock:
7 h 35 min
